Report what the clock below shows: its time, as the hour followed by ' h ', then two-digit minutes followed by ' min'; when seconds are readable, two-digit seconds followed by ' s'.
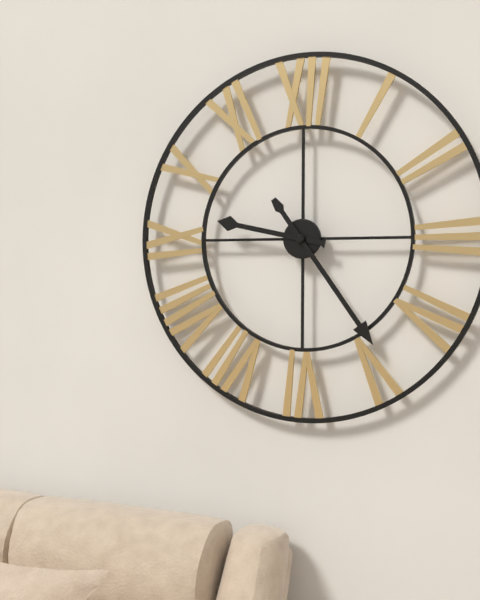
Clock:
9 h 24 min
